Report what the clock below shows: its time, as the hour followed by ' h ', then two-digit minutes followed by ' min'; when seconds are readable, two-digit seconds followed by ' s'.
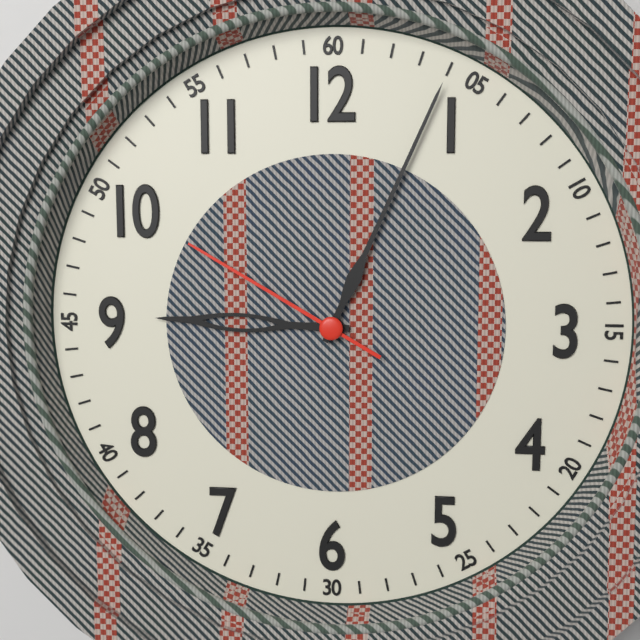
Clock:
9 h 04 min 50 s
